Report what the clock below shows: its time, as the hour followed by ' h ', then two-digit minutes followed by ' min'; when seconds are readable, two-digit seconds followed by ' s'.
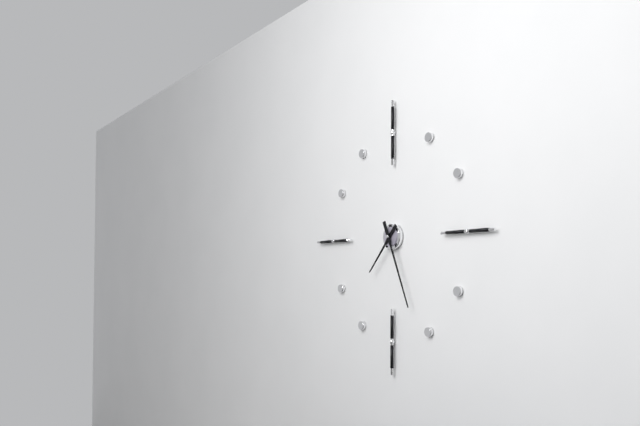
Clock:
7 h 26 min
